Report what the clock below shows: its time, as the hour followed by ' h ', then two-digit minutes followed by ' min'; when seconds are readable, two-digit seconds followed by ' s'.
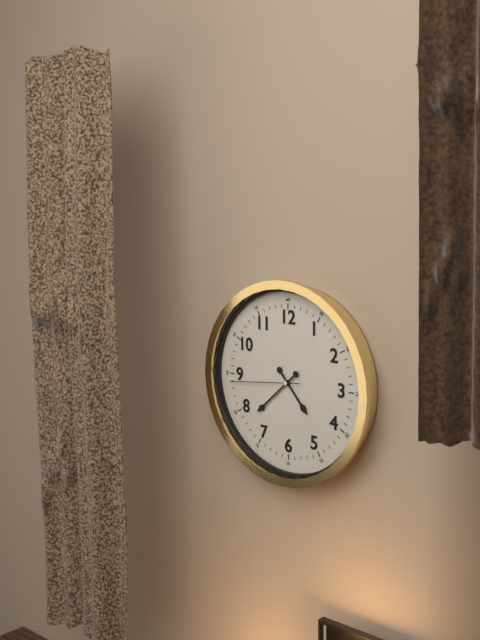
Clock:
4 h 38 min 44 s
